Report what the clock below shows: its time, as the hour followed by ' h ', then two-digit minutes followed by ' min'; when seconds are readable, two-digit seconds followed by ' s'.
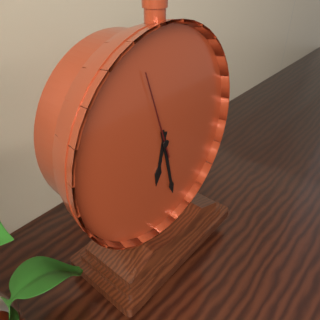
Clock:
6 h 28 min 57 s
